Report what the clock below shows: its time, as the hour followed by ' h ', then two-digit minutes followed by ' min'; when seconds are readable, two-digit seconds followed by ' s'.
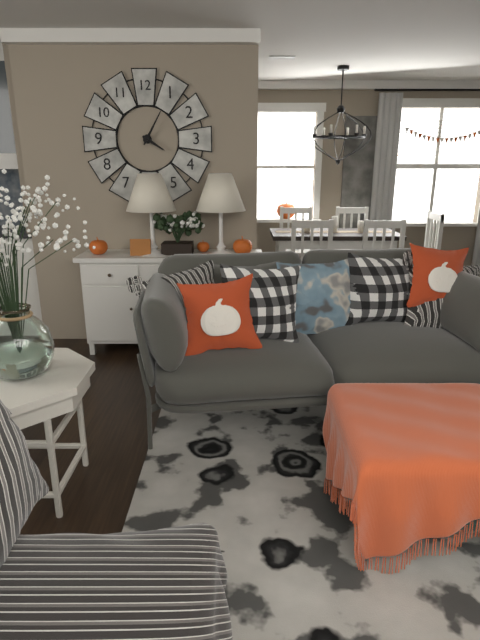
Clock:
4 h 05 min
